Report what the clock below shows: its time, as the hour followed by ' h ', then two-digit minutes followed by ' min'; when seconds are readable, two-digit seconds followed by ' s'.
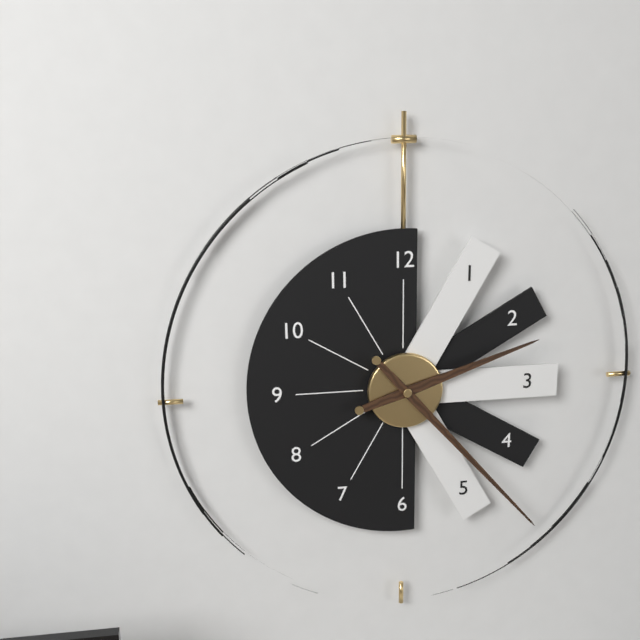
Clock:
2 h 23 min
